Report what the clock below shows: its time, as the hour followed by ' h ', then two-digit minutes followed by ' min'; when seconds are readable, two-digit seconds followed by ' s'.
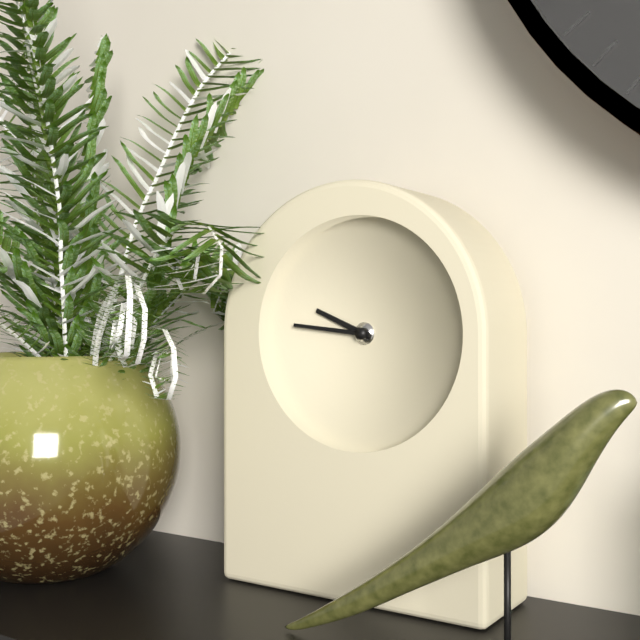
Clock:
9 h 46 min
